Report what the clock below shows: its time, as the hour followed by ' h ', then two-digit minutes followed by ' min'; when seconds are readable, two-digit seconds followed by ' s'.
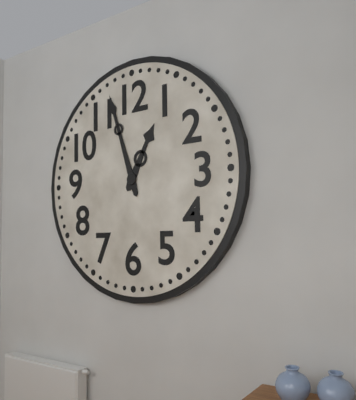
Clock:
12 h 57 min
